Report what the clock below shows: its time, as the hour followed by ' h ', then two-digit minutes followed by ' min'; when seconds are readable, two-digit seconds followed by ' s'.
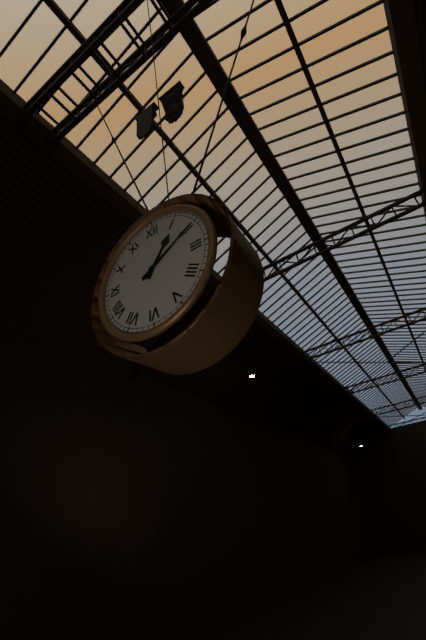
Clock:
1 h 10 min
